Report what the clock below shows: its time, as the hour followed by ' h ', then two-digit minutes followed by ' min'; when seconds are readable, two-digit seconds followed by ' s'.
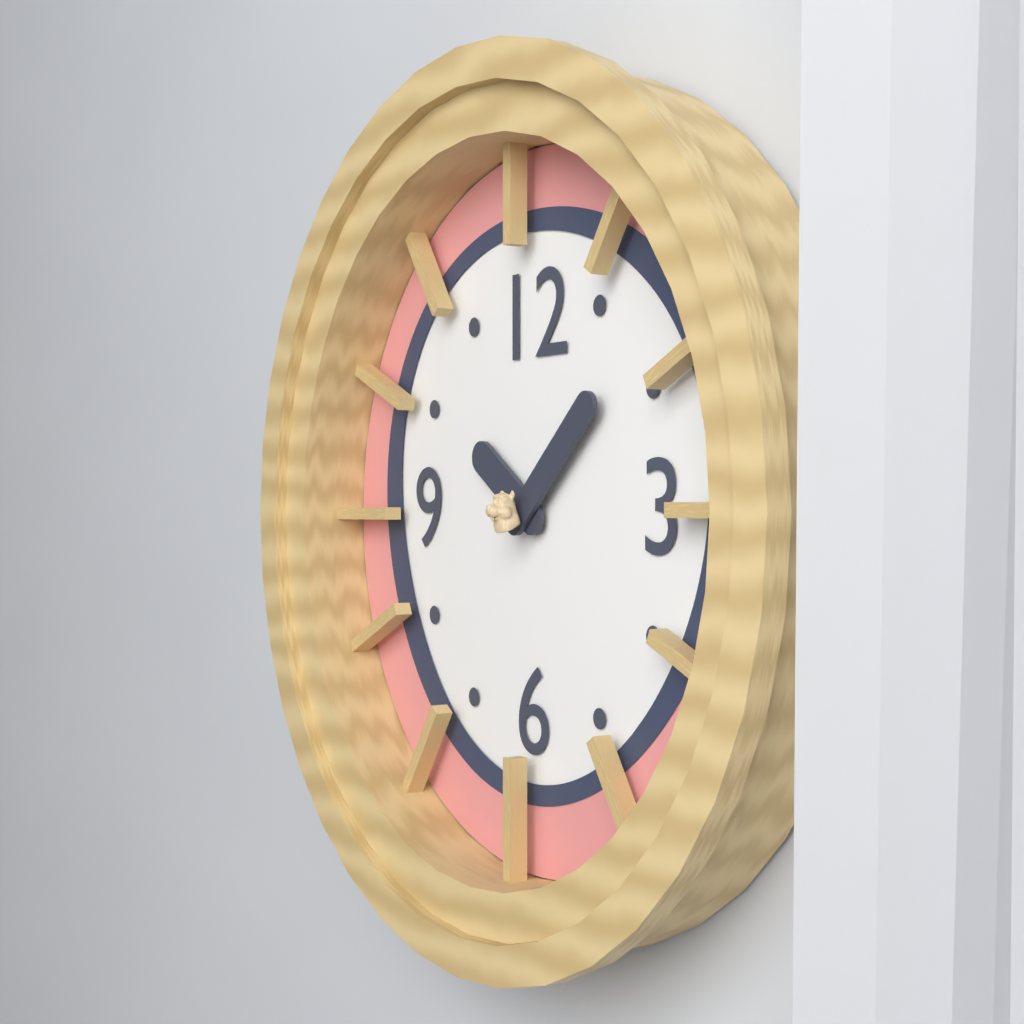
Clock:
10 h 08 min
